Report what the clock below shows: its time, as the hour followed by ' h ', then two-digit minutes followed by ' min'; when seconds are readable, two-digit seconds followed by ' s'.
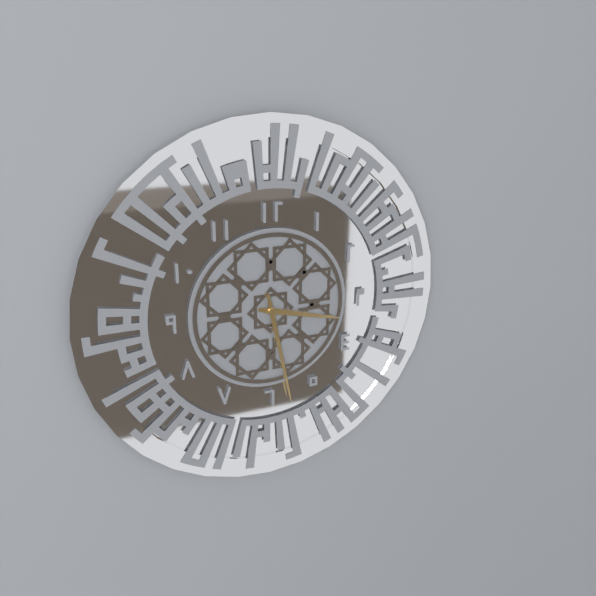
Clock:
3 h 28 min
